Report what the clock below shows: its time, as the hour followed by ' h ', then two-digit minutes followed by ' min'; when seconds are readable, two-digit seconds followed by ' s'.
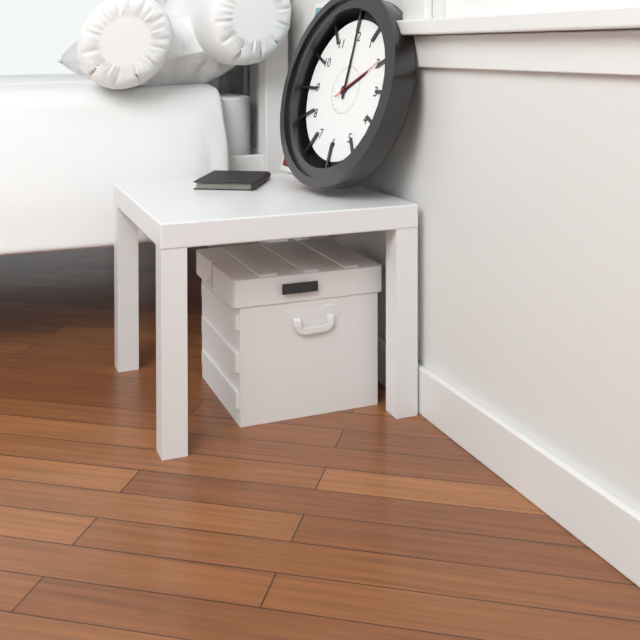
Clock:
2 h 00 min 10 s
